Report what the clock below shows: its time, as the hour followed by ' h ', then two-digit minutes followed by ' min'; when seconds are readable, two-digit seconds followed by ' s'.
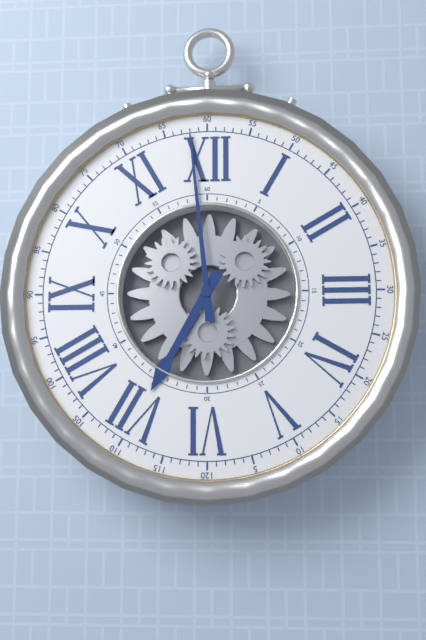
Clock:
6 h 59 min
